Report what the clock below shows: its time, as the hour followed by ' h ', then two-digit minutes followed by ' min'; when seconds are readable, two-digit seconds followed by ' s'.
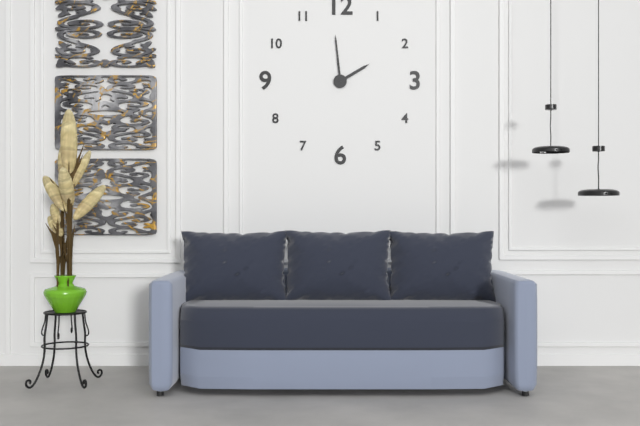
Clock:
1 h 59 min
